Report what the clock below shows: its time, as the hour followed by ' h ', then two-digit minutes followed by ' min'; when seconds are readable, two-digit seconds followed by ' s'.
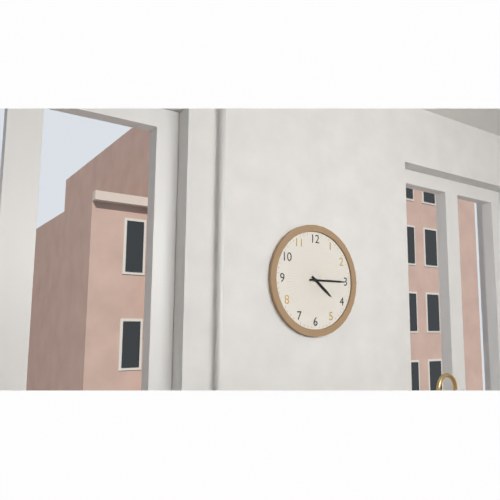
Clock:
4 h 15 min
